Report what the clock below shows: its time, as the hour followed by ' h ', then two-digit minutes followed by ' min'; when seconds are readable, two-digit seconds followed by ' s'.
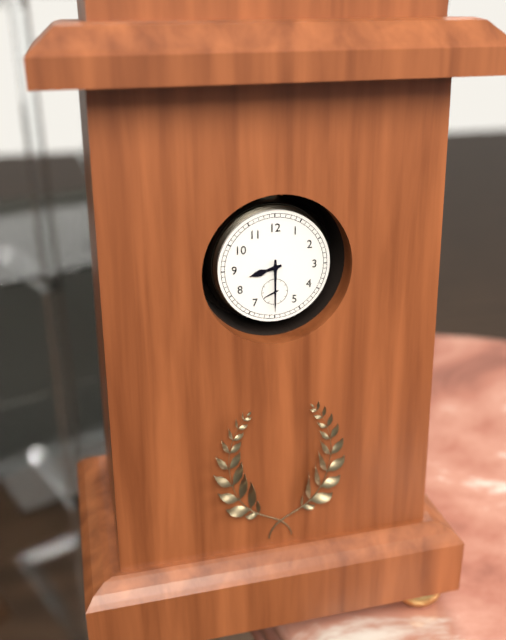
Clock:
8 h 30 min
